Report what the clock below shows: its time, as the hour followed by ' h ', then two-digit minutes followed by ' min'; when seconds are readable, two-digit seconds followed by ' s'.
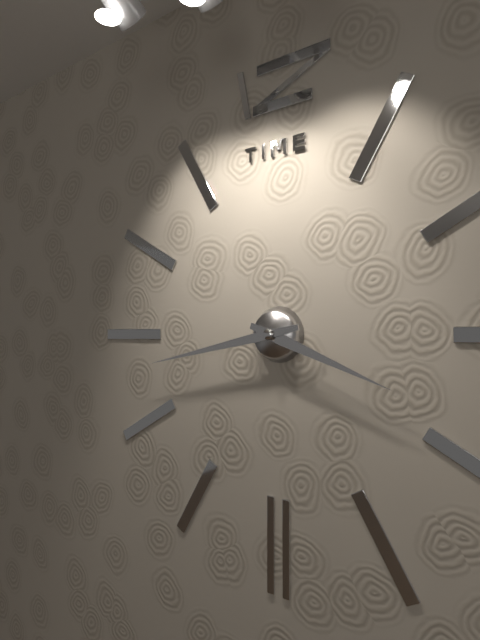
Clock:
3 h 43 min
